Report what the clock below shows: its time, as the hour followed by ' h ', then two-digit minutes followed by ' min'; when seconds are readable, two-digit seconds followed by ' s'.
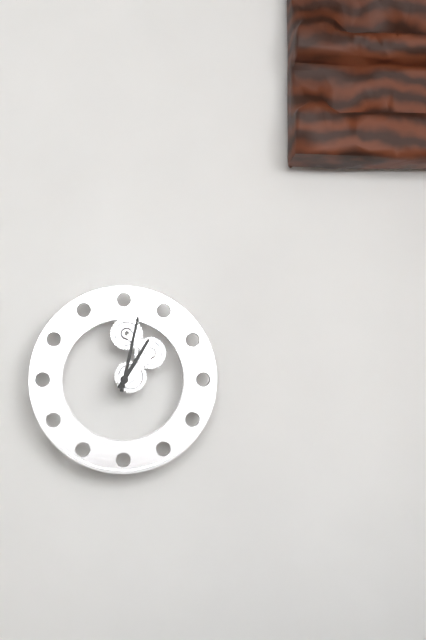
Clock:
1 h 02 min
